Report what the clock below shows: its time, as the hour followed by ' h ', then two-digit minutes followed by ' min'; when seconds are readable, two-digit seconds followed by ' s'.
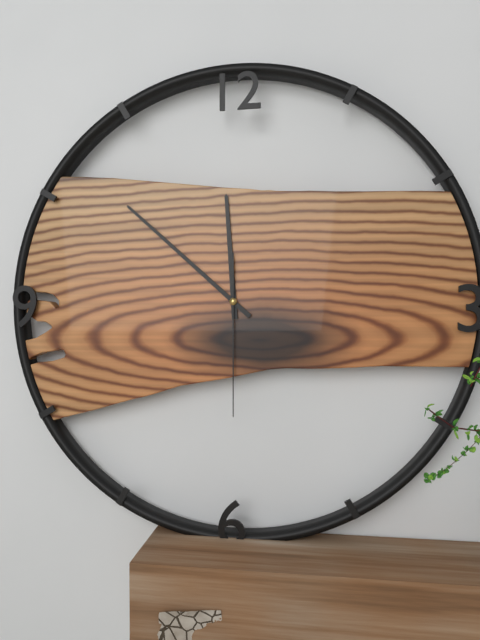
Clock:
11 h 52 min 30 s
